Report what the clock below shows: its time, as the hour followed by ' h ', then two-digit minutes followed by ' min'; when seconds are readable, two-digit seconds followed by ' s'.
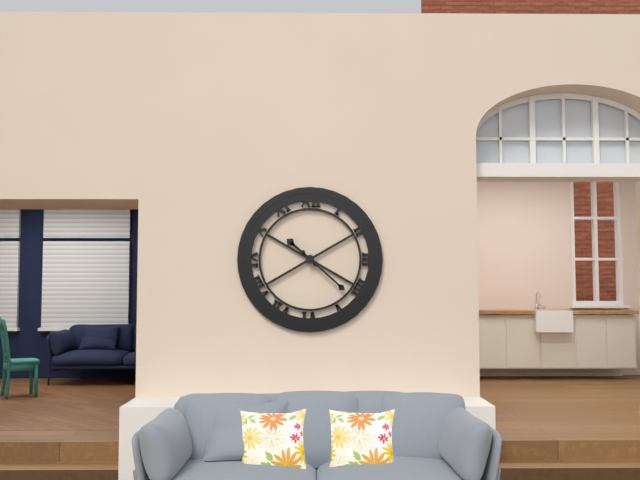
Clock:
10 h 22 min
